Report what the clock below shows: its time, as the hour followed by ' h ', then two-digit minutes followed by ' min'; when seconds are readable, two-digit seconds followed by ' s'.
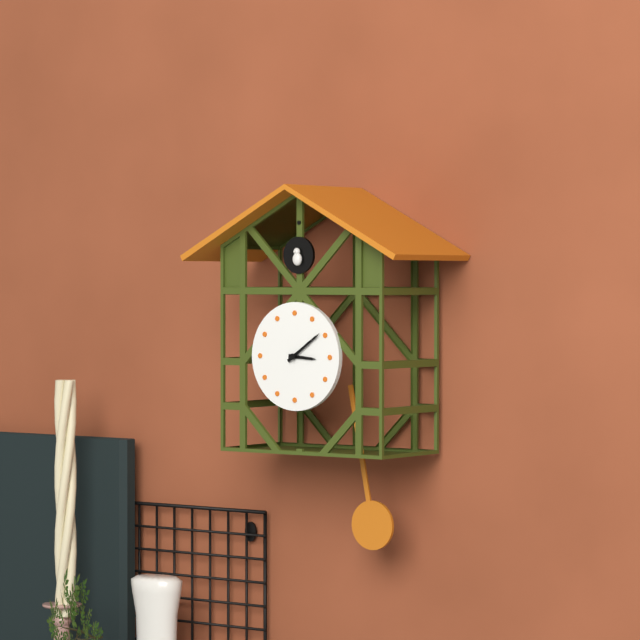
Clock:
3 h 09 min
